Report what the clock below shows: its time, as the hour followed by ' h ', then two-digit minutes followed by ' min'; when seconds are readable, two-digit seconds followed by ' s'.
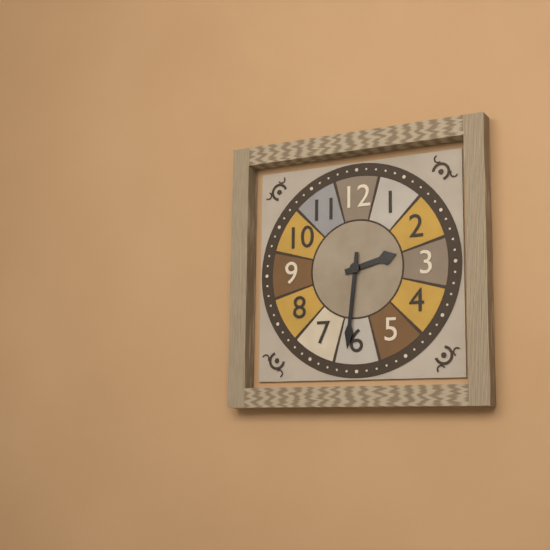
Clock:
2 h 31 min
